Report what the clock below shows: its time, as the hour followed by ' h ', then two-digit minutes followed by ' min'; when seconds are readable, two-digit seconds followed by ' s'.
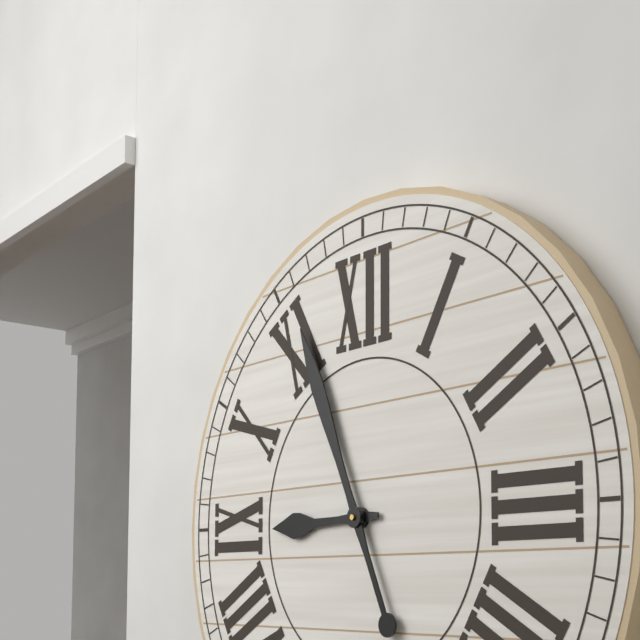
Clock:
8 h 56 min
